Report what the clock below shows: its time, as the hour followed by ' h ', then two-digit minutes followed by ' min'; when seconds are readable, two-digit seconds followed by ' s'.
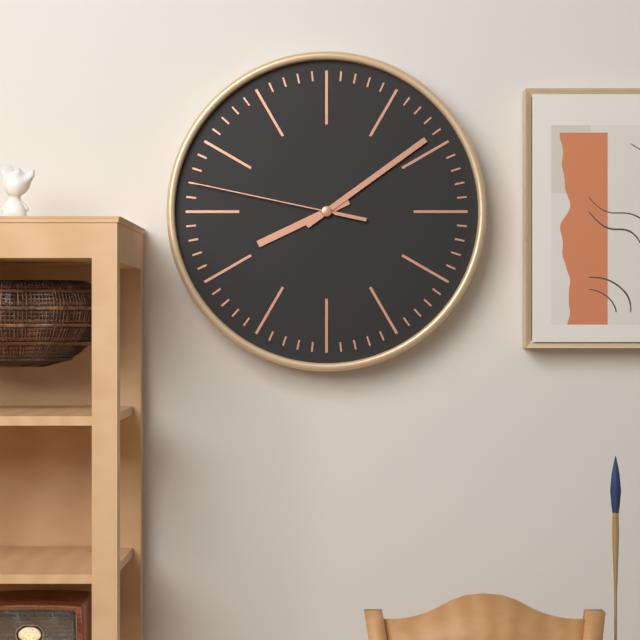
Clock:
8 h 09 min 47 s
